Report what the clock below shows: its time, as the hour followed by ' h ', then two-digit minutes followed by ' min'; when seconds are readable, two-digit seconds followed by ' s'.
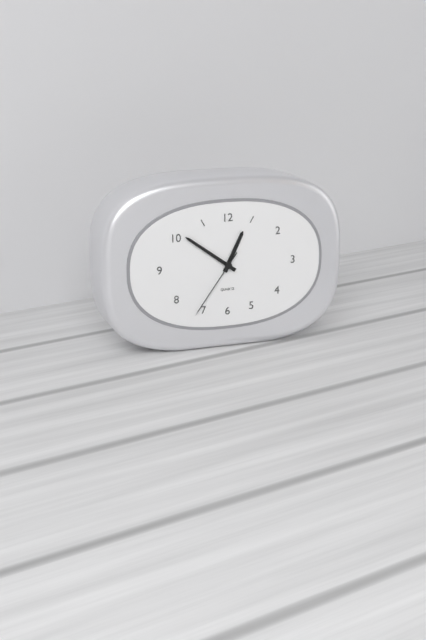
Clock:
12 h 51 min 36 s
